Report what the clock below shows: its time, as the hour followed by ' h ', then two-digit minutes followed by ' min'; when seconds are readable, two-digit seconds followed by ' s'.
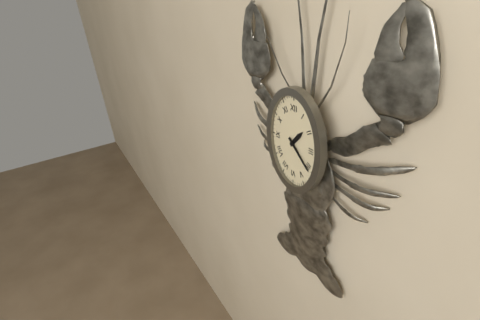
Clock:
1 h 22 min
